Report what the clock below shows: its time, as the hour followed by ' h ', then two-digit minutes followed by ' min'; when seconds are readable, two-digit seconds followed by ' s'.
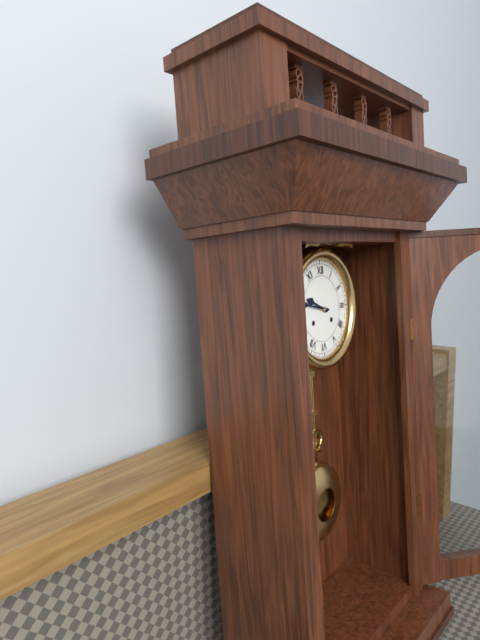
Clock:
9 h 47 min
